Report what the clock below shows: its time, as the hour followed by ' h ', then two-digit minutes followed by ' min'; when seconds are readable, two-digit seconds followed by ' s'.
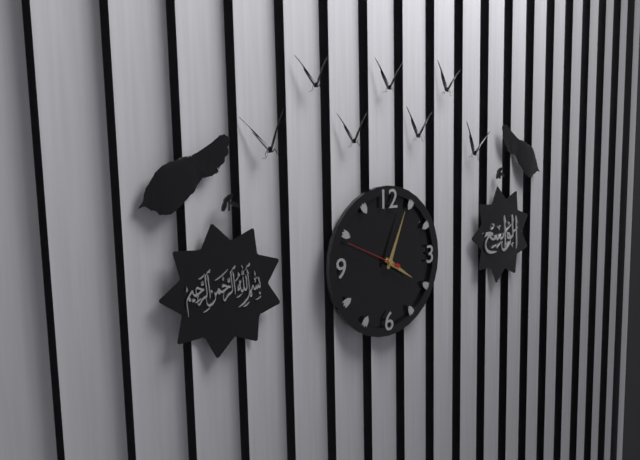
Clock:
4 h 04 min 49 s
